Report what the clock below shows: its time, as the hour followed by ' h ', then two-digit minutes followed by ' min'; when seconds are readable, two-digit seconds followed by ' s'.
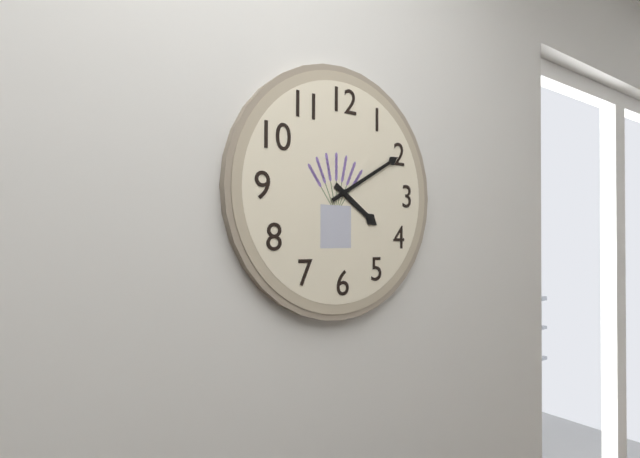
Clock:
4 h 10 min
